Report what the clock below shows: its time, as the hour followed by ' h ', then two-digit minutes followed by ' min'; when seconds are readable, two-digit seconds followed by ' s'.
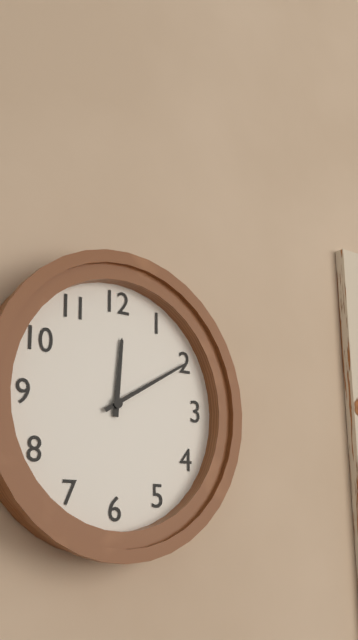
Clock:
12 h 10 min
